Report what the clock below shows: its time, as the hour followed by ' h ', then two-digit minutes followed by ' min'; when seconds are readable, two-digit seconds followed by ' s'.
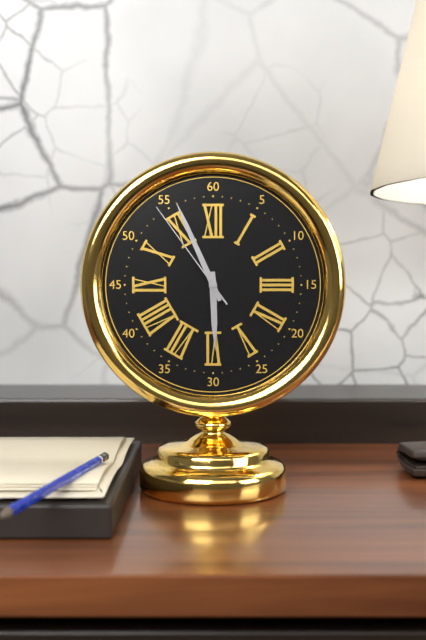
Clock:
5 h 56 min 54 s
